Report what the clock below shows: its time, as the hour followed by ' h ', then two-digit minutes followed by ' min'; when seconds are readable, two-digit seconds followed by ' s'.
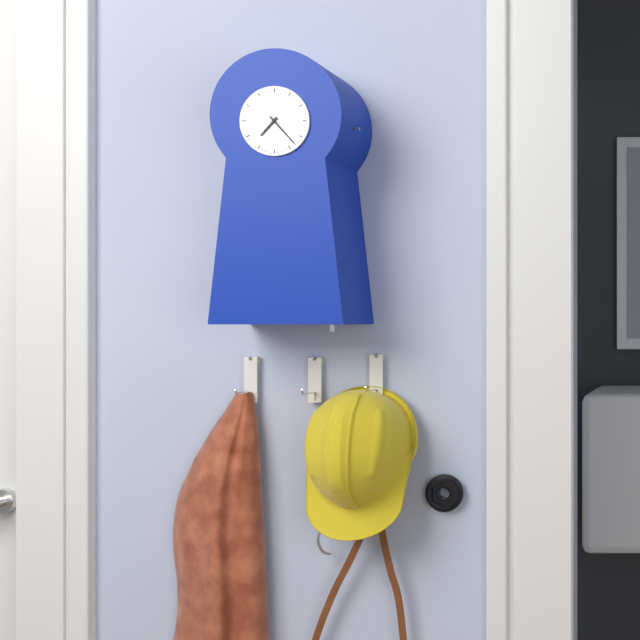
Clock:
7 h 23 min
